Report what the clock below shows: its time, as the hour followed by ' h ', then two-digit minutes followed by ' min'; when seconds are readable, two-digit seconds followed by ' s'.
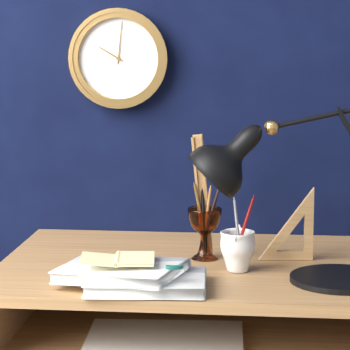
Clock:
10 h 01 min
